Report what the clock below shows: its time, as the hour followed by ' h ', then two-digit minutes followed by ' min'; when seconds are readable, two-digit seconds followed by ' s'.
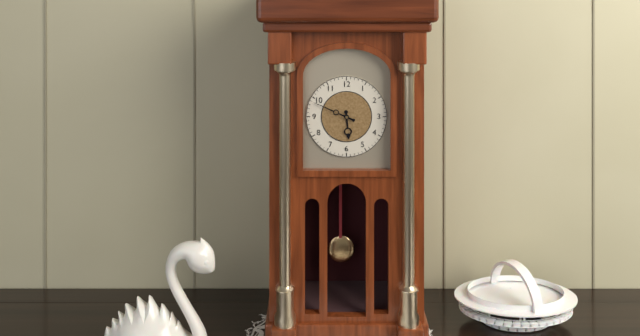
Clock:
5 h 49 min
